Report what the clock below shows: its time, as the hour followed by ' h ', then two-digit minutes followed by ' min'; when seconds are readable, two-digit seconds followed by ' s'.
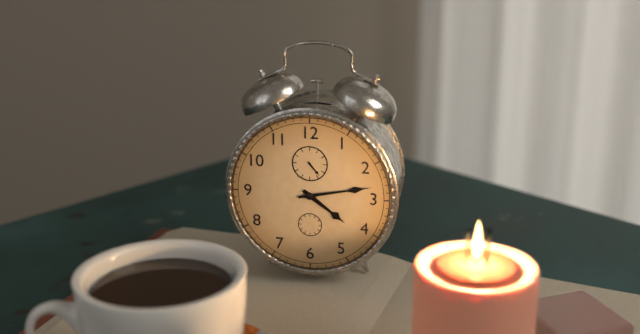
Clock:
4 h 13 min
